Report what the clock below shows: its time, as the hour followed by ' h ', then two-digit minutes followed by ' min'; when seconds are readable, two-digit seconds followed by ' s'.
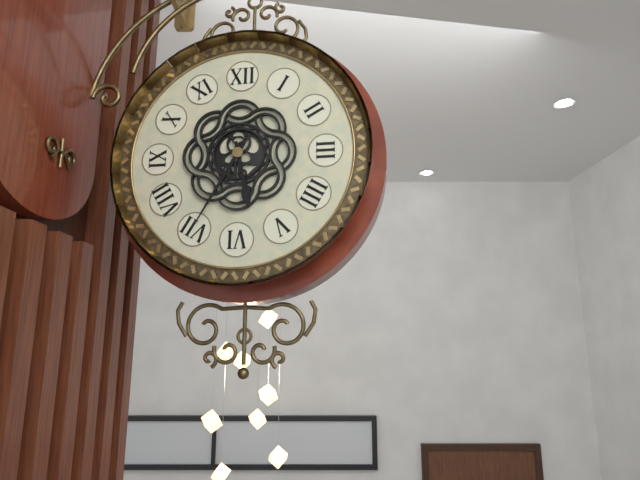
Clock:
5 h 35 min
